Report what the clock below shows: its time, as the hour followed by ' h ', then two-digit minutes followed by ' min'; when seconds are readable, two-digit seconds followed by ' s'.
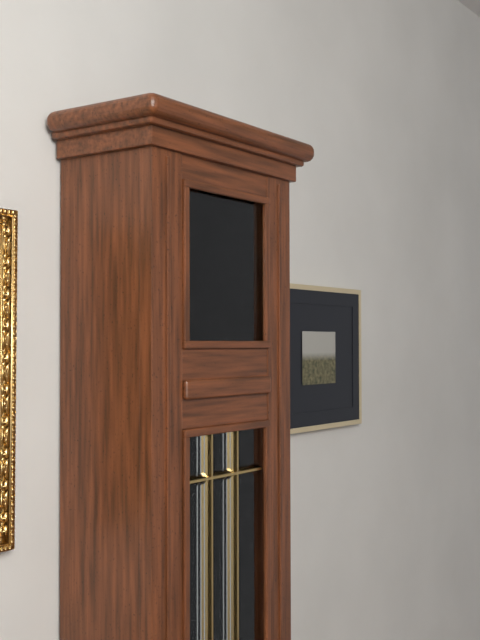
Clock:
7 h 29 min
